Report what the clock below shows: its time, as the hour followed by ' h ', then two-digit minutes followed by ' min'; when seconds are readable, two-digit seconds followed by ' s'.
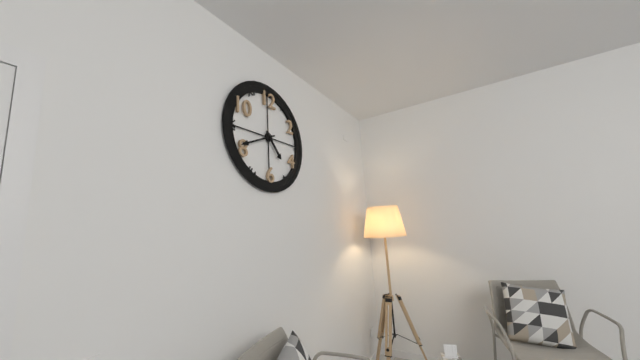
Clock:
4 h 41 min
